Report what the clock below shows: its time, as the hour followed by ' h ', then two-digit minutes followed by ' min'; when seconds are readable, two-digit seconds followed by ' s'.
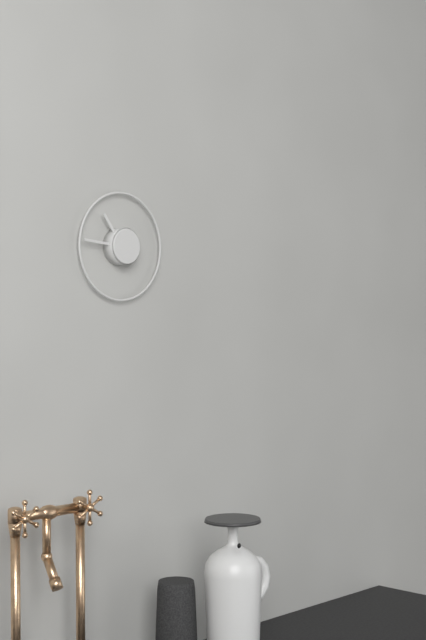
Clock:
10 h 46 min
